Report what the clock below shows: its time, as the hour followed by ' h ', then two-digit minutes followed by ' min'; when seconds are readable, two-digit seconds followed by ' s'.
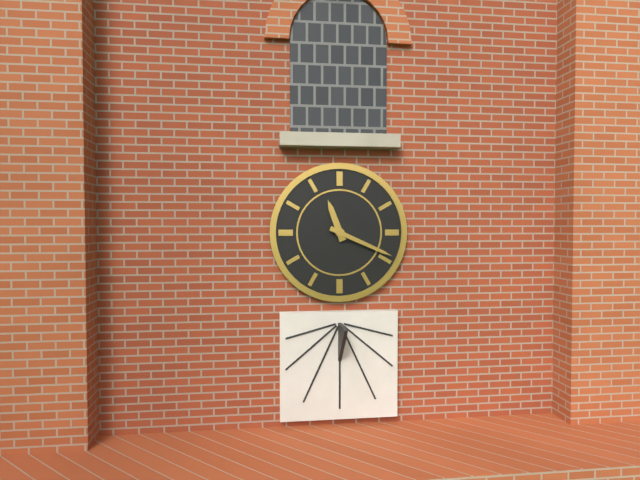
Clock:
11 h 19 min
